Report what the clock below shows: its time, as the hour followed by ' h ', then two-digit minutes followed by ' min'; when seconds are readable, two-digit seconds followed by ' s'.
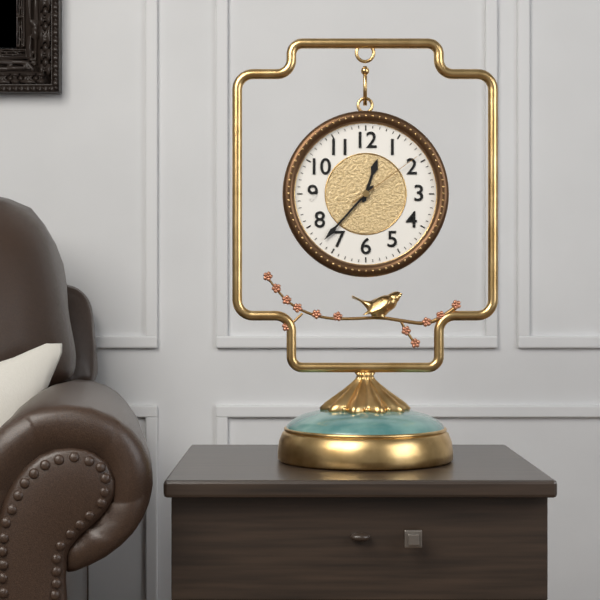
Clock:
12 h 37 min 09 s
